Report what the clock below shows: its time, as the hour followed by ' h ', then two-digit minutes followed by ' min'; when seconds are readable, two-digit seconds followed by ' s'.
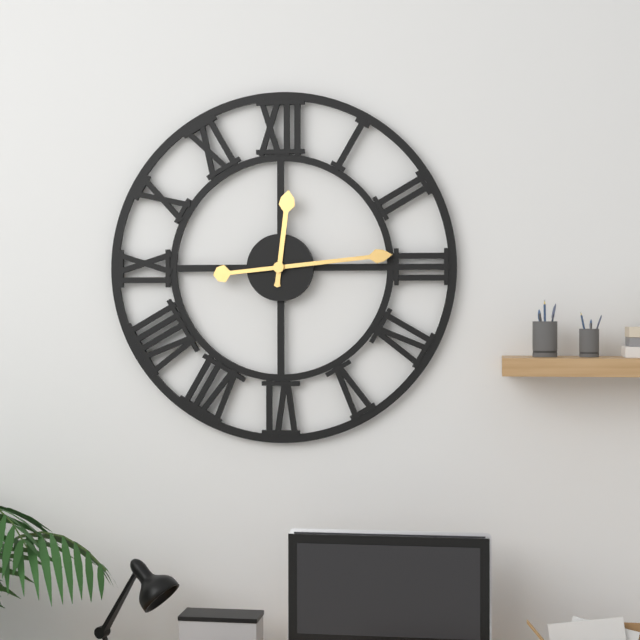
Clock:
12 h 14 min
